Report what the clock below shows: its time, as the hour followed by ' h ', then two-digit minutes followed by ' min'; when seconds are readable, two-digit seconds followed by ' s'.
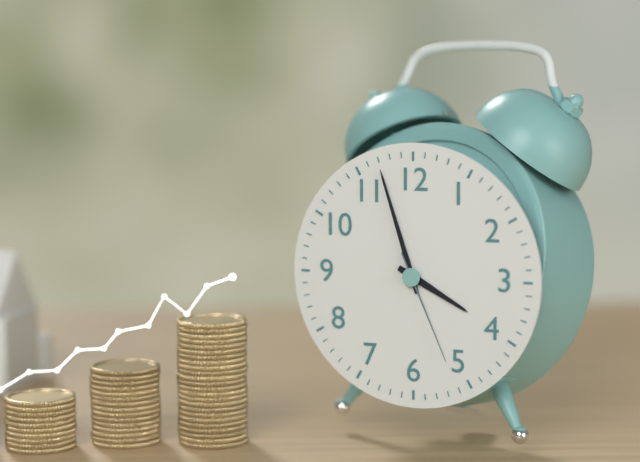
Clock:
3 h 57 min 26 s
